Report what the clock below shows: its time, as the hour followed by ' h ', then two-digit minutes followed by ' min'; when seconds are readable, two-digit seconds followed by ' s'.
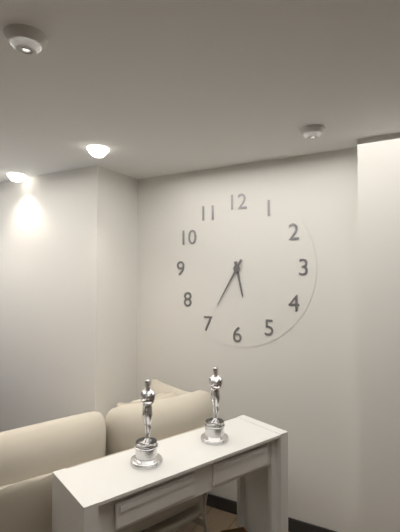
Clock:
5 h 35 min
